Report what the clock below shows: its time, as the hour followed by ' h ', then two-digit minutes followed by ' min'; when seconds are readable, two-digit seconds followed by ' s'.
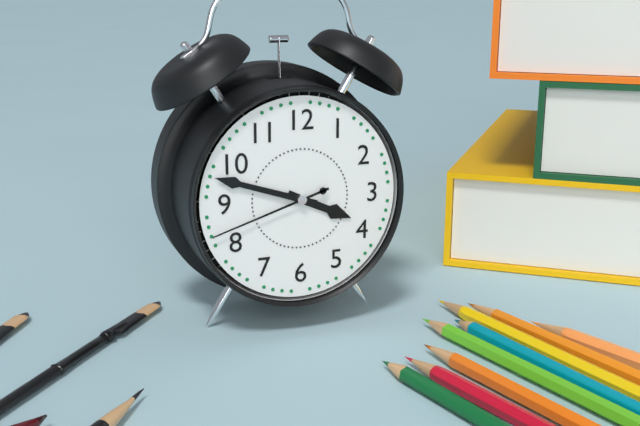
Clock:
3 h 48 min 42 s
